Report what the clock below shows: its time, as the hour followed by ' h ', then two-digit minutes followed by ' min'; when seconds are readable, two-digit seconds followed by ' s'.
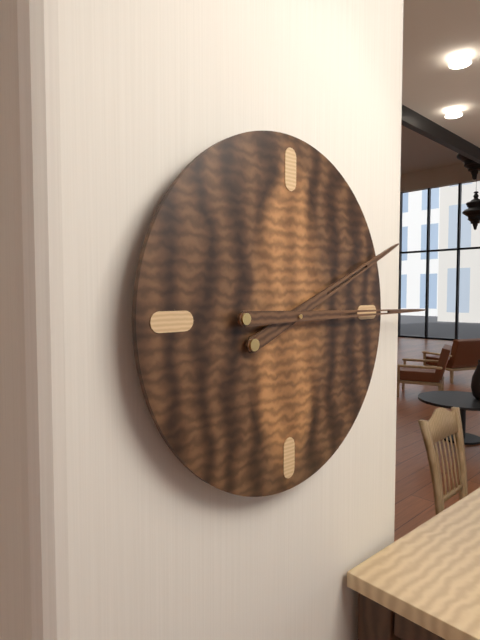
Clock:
2 h 15 min
